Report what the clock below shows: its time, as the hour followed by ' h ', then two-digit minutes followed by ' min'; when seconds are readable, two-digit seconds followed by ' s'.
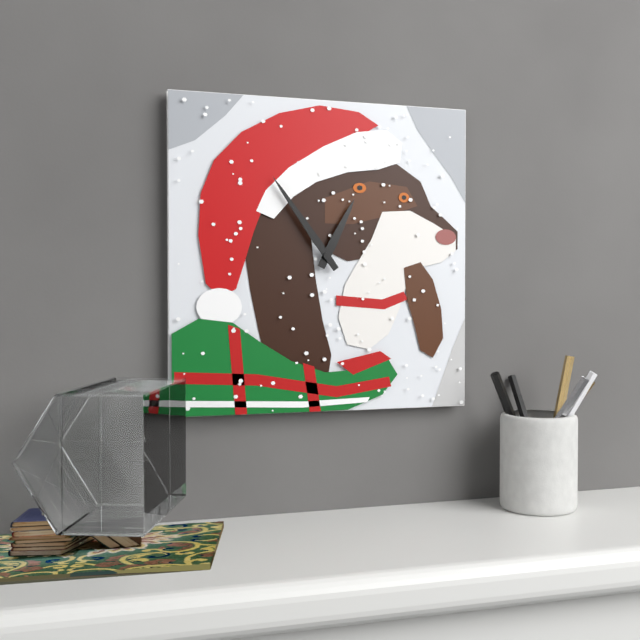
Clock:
12 h 54 min
